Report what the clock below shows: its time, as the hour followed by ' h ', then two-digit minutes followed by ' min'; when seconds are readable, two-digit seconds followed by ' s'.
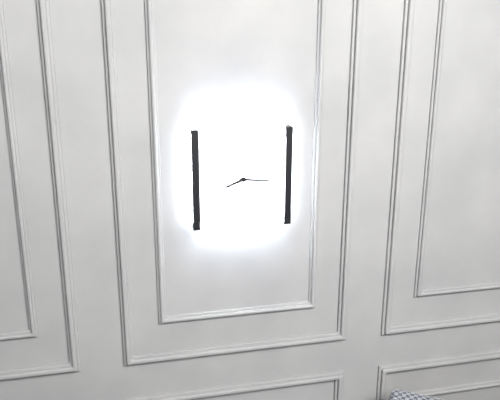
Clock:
8 h 16 min
